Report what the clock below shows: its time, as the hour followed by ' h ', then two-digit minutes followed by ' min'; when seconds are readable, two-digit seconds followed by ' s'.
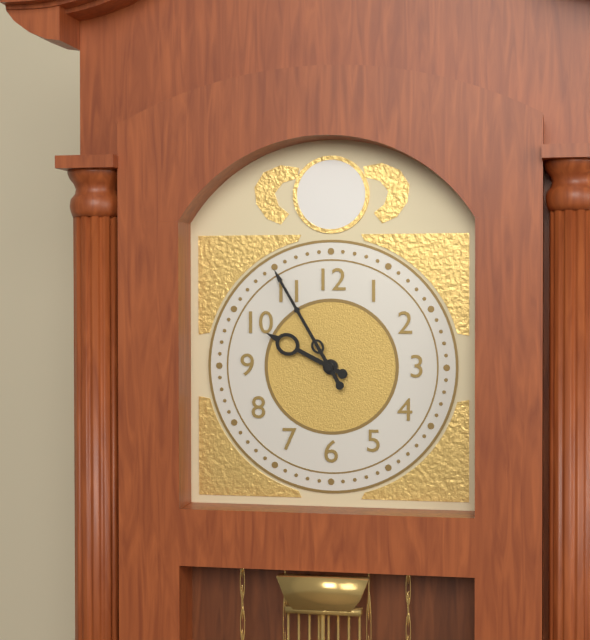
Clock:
9 h 55 min
